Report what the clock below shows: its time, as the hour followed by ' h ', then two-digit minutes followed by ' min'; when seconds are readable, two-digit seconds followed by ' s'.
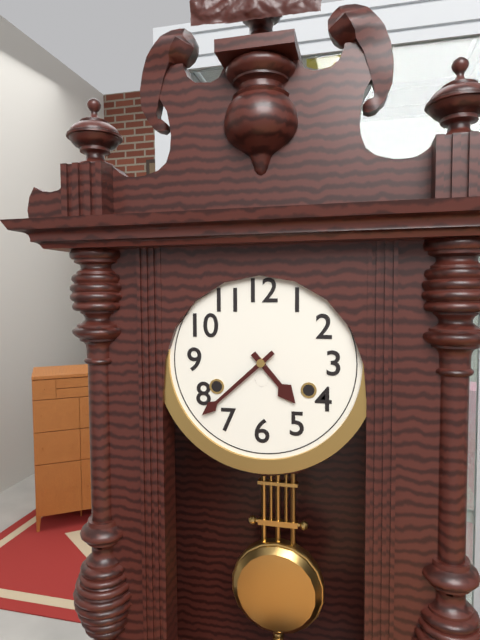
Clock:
4 h 38 min
